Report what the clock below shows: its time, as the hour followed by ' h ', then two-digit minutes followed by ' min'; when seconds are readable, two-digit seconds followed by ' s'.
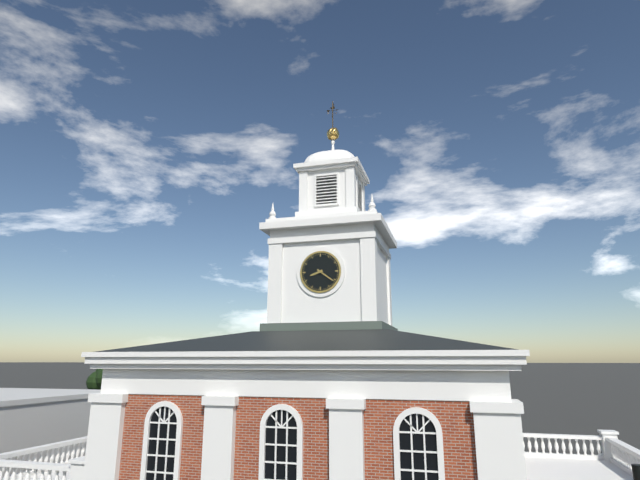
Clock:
8 h 21 min
